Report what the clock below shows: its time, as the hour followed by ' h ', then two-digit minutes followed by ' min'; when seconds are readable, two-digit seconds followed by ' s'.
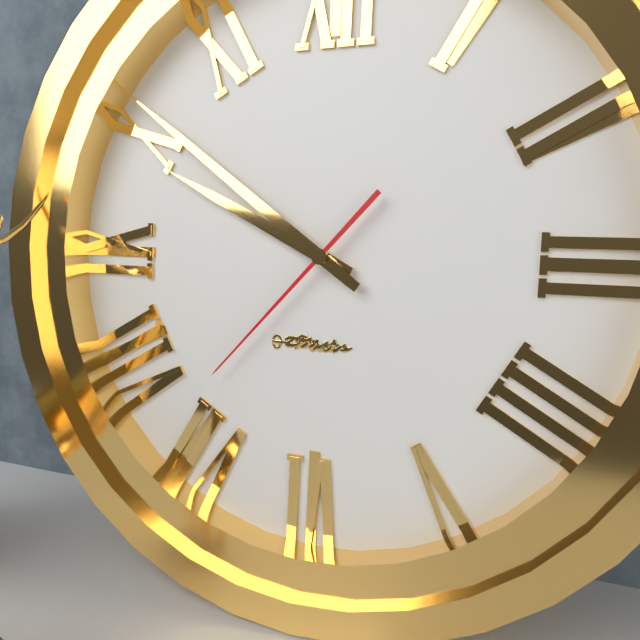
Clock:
9 h 51 min 37 s
